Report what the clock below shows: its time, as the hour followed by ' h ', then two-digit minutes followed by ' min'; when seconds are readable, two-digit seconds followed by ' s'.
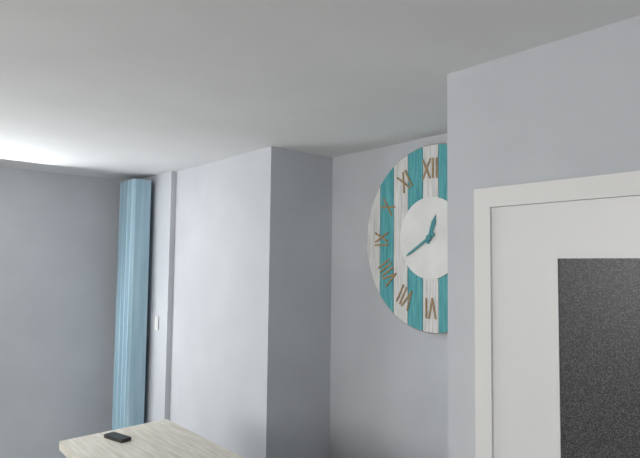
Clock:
12 h 40 min
